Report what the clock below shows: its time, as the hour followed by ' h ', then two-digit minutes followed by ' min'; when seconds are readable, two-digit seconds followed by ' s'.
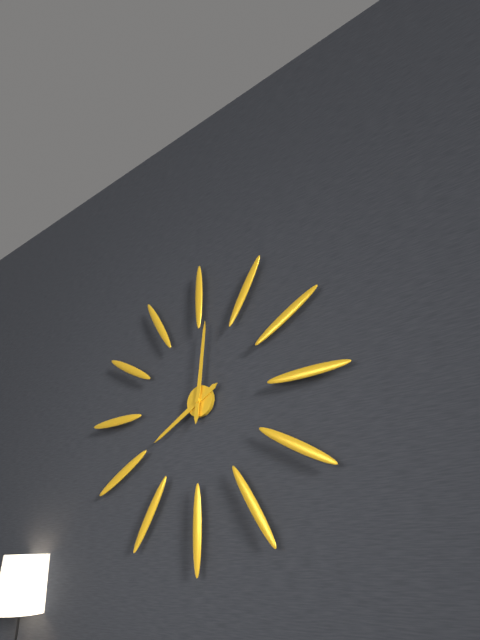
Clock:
8 h 01 min
